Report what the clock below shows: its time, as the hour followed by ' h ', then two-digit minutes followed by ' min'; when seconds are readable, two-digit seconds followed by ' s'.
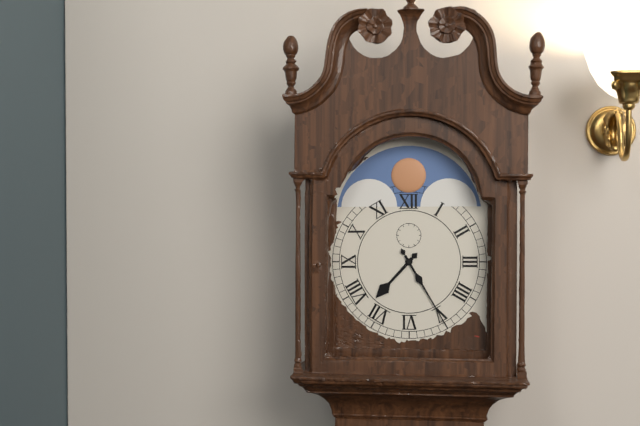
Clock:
7 h 25 min
